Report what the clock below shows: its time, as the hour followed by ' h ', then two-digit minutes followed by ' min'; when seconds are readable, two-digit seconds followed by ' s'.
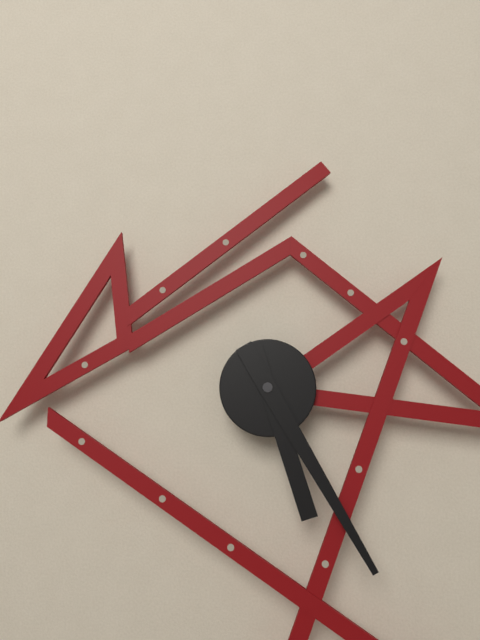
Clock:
5 h 25 min
